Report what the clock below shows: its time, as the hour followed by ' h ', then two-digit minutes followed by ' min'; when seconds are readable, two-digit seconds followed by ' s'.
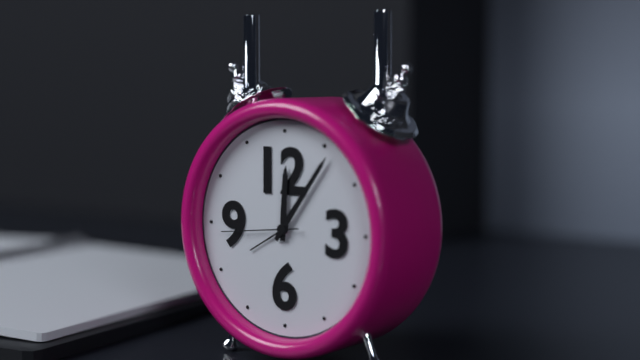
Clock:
12 h 06 min 44 s
